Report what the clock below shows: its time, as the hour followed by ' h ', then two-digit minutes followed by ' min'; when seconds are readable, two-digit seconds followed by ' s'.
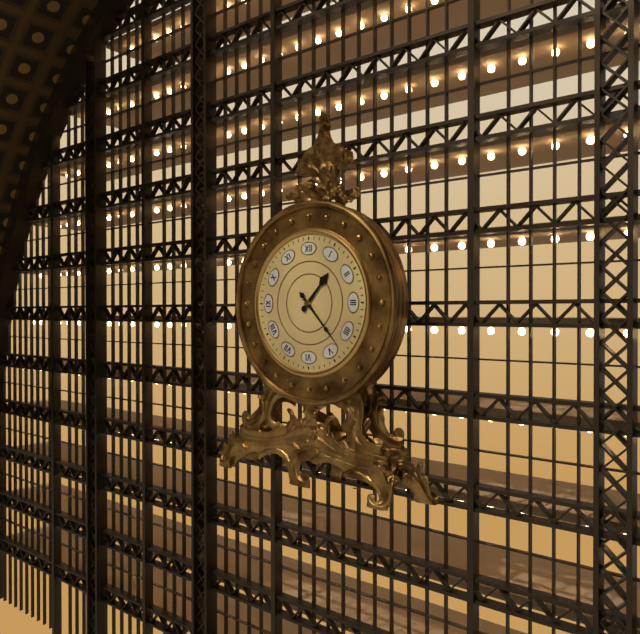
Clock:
1 h 23 min
